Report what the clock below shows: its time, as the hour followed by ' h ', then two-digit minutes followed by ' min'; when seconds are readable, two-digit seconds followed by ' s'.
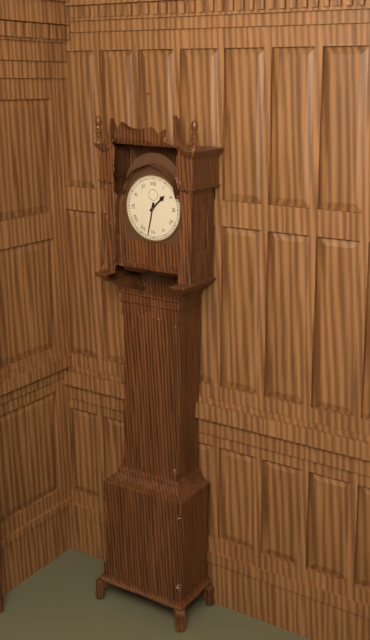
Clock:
1 h 32 min
